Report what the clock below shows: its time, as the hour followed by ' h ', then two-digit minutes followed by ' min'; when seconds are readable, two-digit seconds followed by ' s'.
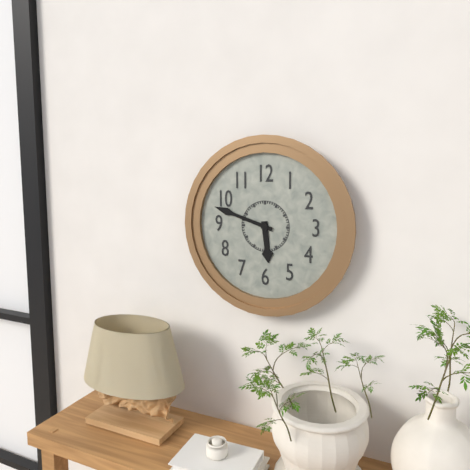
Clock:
5 h 48 min
